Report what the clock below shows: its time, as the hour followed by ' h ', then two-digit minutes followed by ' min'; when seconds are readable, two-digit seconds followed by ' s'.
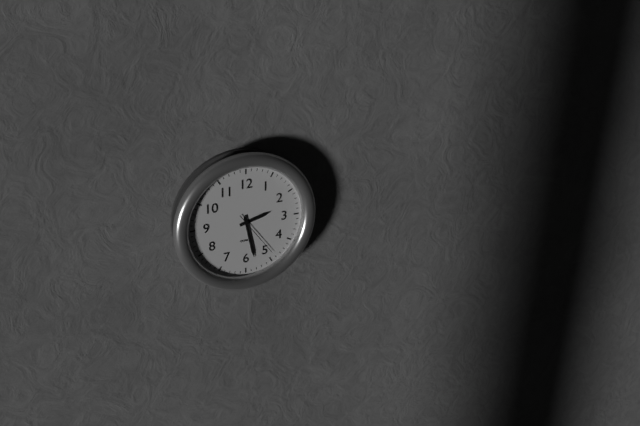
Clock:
2 h 28 min
